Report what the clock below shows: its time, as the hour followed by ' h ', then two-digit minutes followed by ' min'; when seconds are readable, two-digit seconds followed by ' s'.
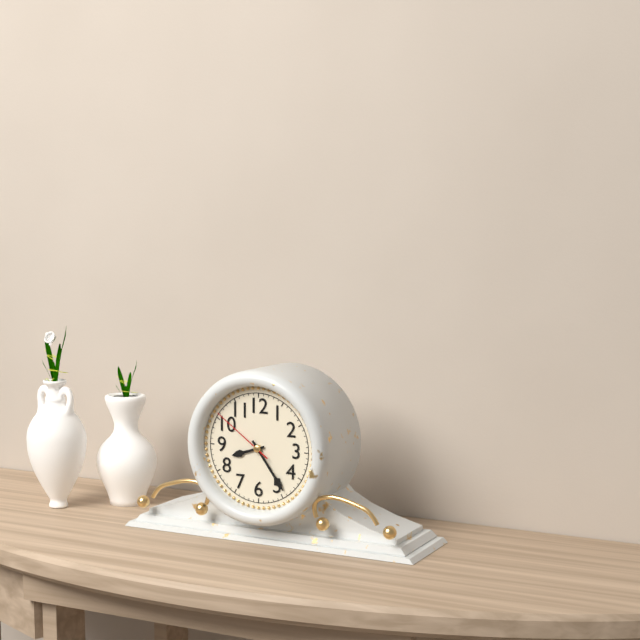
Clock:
8 h 24 min 51 s
